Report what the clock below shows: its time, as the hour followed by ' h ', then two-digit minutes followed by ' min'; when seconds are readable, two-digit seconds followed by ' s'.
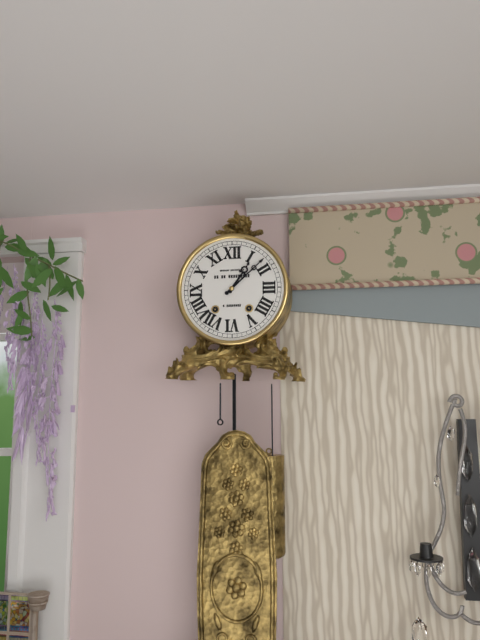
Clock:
1 h 08 min
